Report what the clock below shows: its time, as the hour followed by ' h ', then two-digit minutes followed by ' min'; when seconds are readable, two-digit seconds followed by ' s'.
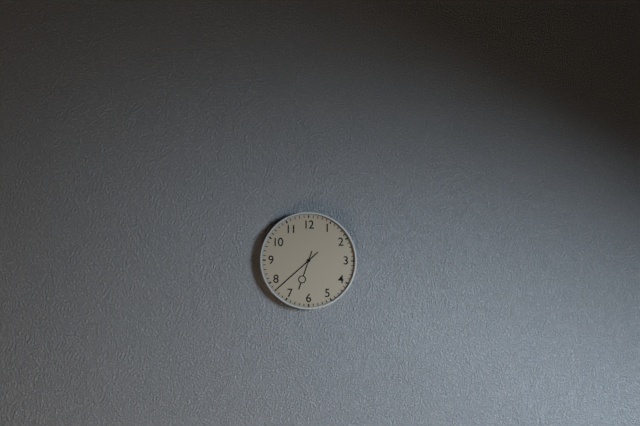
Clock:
6 h 38 min
